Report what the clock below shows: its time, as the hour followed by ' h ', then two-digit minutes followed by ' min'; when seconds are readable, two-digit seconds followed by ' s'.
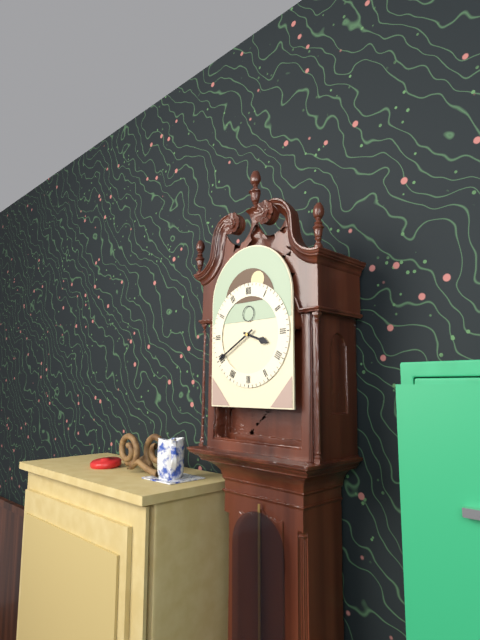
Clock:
3 h 40 min
